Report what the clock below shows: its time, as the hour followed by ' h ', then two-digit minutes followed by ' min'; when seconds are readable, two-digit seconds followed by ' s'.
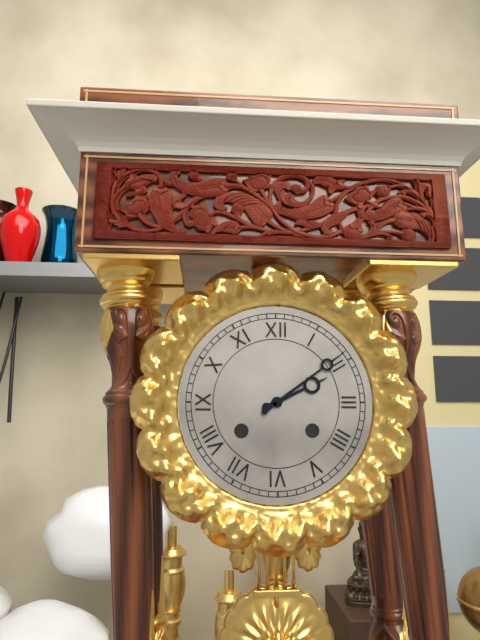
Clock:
2 h 09 min
